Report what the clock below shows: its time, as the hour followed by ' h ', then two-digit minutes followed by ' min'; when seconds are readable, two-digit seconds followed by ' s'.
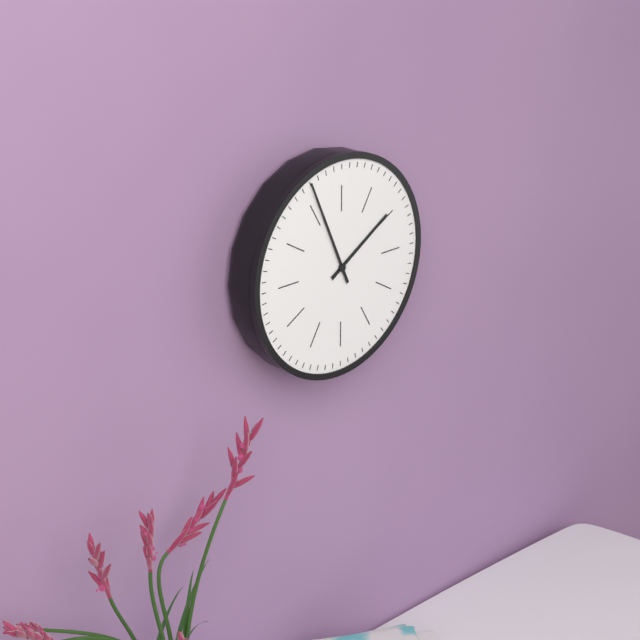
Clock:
1 h 56 min
